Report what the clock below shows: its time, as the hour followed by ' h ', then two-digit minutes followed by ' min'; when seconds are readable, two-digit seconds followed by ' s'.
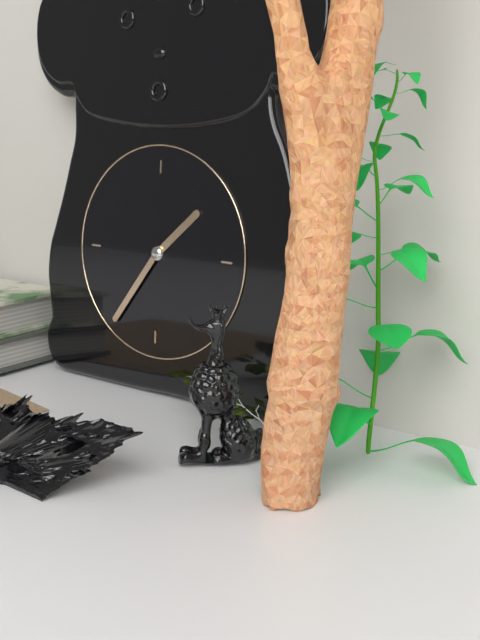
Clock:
1 h 36 min
